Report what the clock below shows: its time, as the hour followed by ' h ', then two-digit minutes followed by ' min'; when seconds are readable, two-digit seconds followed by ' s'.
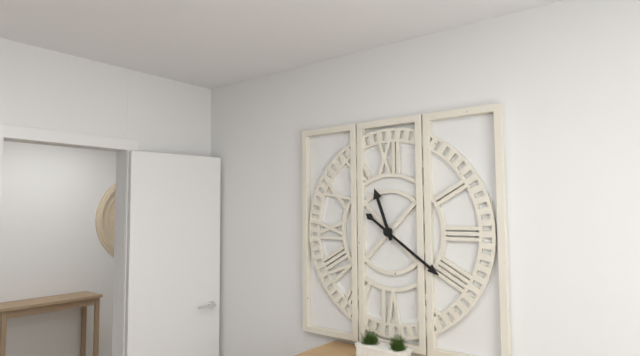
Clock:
11 h 21 min
